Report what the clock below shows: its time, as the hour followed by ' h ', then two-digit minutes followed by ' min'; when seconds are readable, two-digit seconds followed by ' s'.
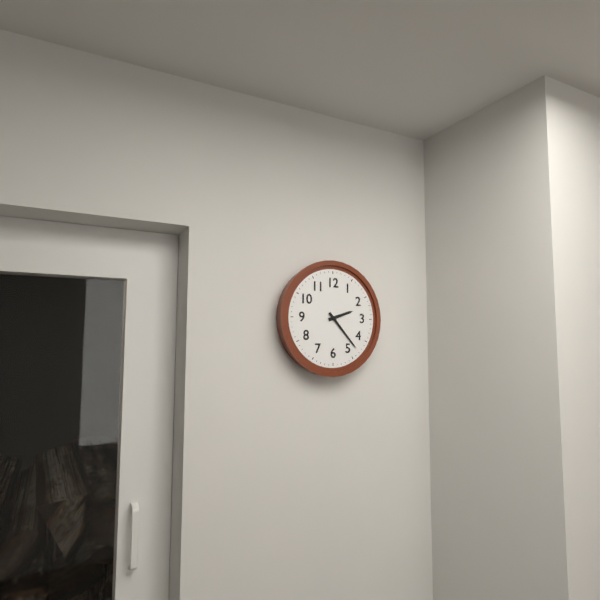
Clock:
2 h 23 min
